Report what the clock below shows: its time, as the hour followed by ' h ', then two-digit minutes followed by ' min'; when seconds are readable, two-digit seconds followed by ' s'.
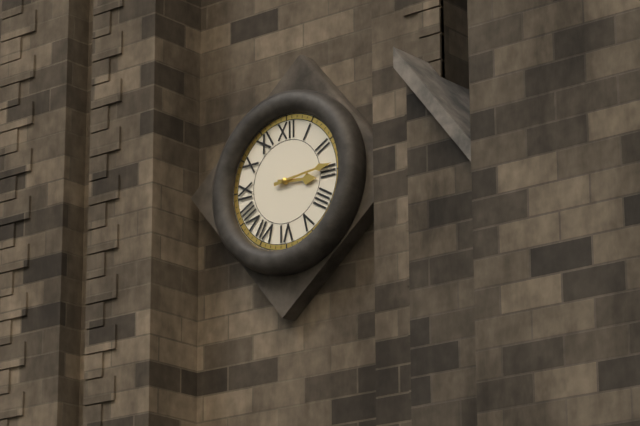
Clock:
3 h 14 min
